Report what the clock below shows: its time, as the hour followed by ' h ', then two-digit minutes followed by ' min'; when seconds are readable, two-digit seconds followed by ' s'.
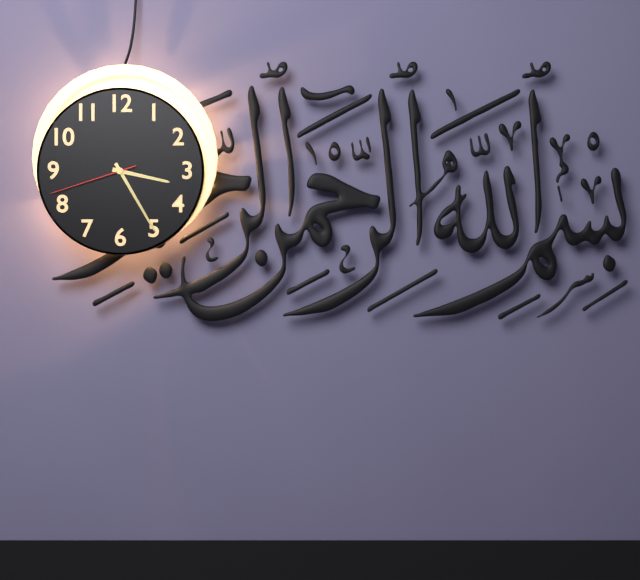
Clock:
3 h 25 min 42 s
